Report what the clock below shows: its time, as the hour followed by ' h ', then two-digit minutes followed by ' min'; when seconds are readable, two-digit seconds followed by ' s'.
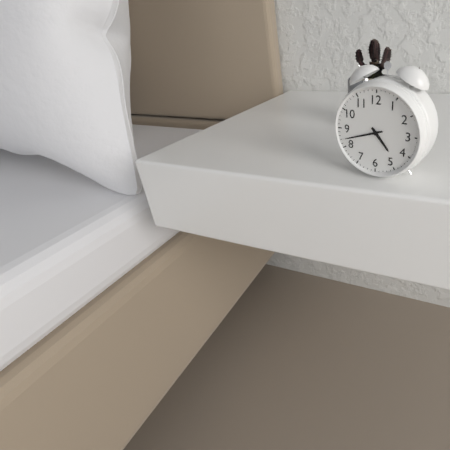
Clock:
4 h 42 min
